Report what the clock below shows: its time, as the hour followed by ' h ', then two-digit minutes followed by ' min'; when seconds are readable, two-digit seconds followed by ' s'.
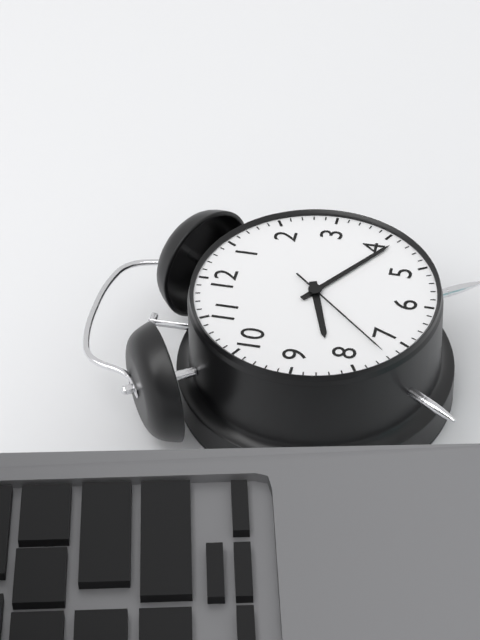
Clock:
8 h 21 min 37 s
